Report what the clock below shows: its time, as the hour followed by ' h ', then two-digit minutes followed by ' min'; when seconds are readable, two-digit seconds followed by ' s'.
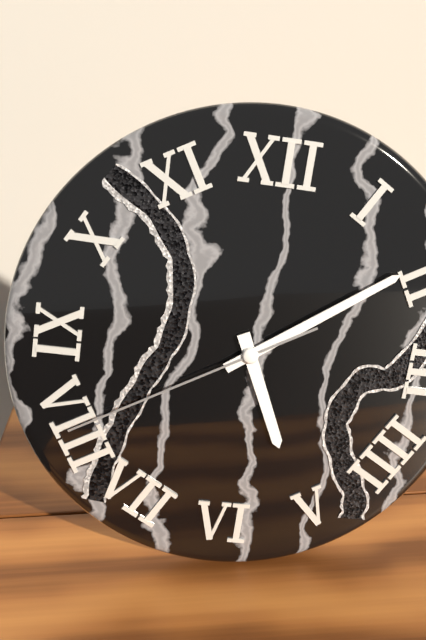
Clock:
5 h 09 min 40 s
